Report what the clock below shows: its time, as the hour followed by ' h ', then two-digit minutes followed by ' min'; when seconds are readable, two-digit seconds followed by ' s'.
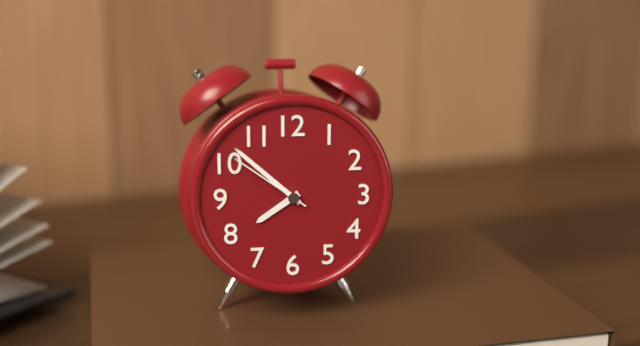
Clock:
7 h 52 min 51 s
